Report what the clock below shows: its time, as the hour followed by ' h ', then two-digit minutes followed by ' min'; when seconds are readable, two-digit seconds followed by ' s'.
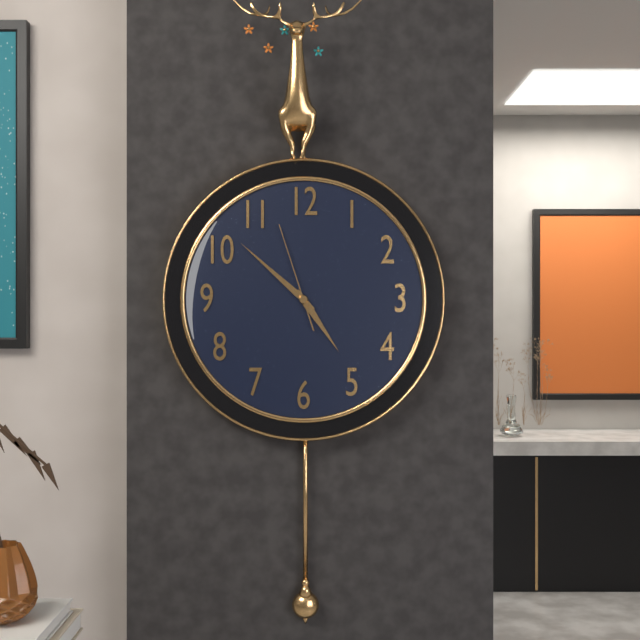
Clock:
4 h 52 min 57 s
